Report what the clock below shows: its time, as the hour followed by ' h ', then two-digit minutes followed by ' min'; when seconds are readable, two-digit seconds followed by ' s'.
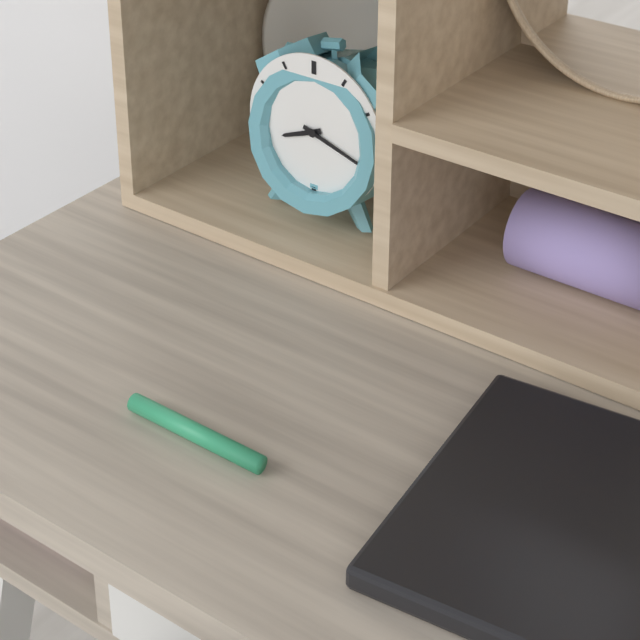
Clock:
8 h 18 min
